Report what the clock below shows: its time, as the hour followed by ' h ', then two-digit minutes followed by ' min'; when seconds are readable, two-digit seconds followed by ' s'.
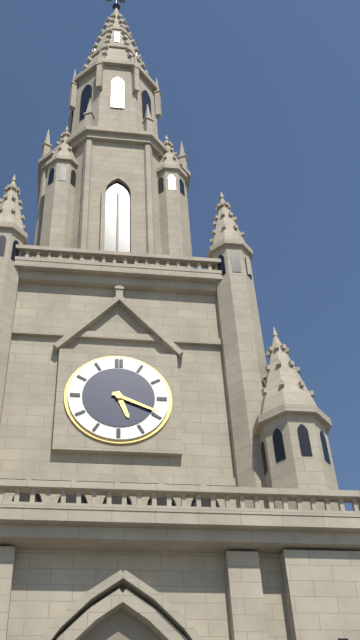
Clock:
5 h 19 min
